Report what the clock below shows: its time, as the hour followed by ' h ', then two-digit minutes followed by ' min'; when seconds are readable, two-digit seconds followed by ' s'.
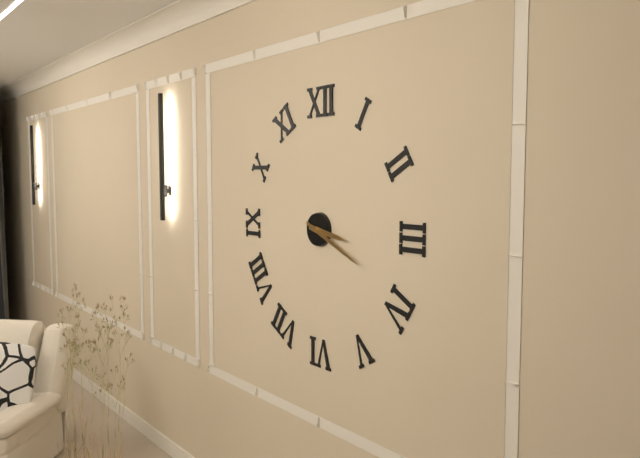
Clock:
3 h 19 min
